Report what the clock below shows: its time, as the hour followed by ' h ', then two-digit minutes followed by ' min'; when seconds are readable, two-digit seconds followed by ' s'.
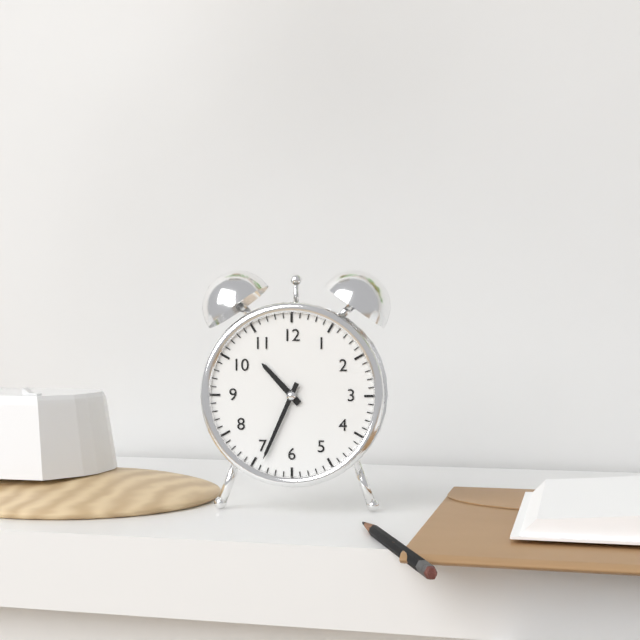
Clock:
10 h 34 min
